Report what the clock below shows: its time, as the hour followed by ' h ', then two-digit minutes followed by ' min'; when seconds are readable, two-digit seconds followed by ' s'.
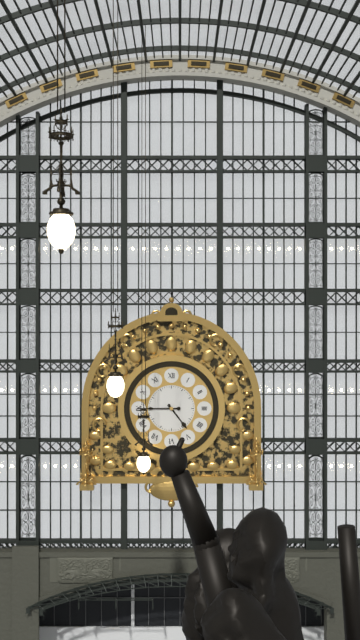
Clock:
4 h 45 min
